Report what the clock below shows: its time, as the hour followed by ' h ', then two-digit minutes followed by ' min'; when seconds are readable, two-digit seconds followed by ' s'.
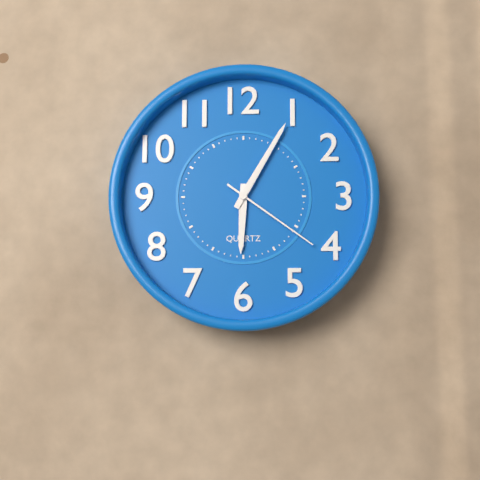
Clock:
6 h 05 min 21 s
